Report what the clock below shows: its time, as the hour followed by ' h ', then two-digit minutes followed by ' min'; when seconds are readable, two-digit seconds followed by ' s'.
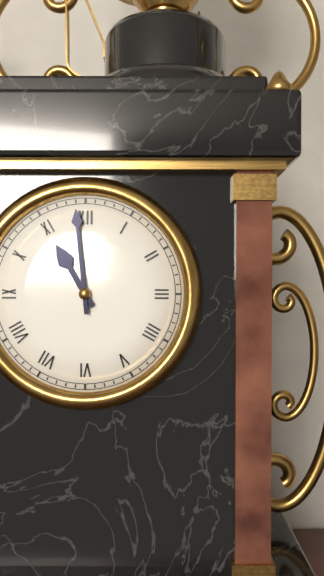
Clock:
10 h 59 min
